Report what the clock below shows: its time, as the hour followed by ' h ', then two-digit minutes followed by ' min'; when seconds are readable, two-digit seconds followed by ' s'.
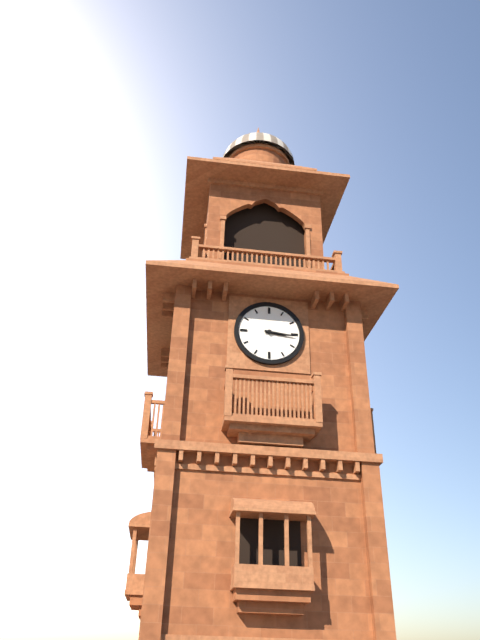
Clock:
3 h 16 min
